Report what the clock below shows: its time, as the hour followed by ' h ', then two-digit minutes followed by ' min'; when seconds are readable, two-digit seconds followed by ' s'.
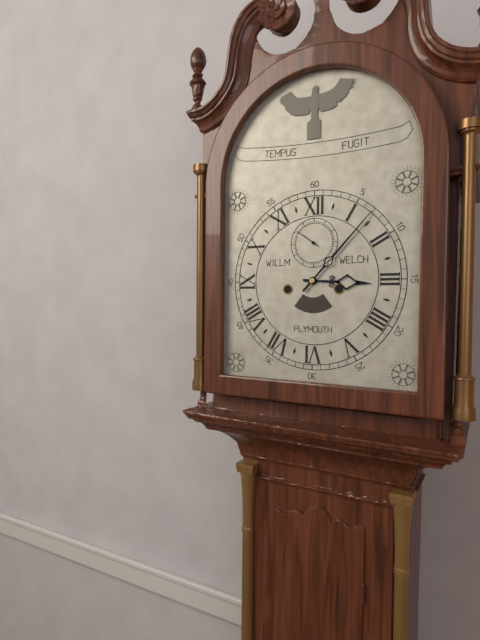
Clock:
3 h 07 min
